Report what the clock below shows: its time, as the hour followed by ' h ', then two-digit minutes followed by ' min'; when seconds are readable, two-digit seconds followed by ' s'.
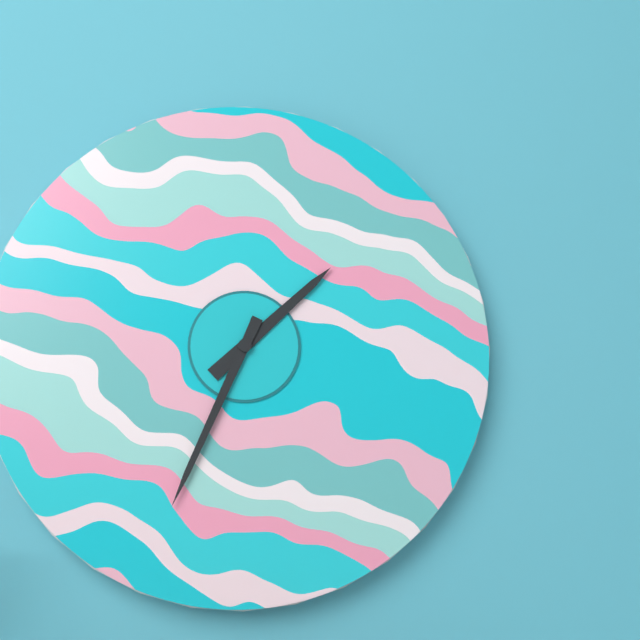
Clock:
1 h 34 min
